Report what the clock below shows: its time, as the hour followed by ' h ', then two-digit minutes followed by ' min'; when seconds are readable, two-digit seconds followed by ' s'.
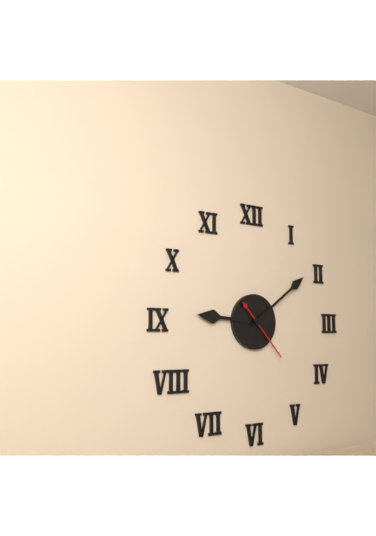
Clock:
9 h 09 min 23 s
